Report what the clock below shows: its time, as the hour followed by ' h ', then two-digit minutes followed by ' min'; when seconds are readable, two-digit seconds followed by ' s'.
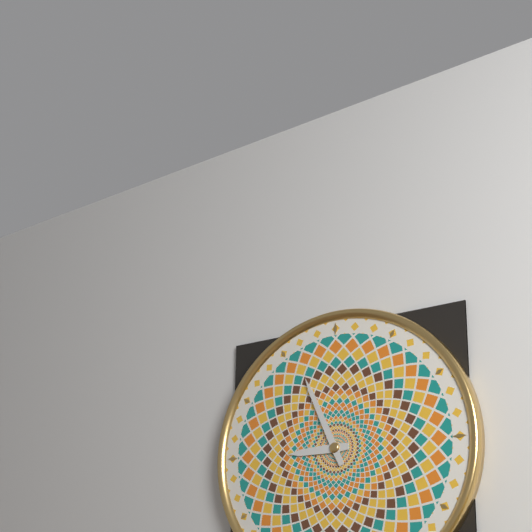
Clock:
8 h 56 min
